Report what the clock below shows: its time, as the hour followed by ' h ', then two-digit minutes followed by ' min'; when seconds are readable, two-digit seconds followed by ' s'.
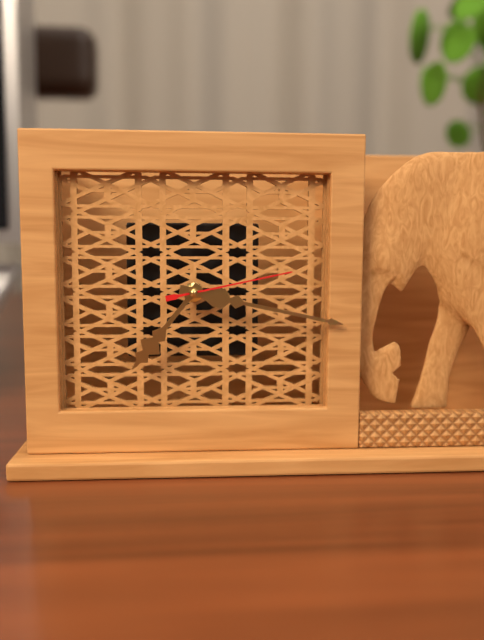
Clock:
7 h 17 min 13 s
